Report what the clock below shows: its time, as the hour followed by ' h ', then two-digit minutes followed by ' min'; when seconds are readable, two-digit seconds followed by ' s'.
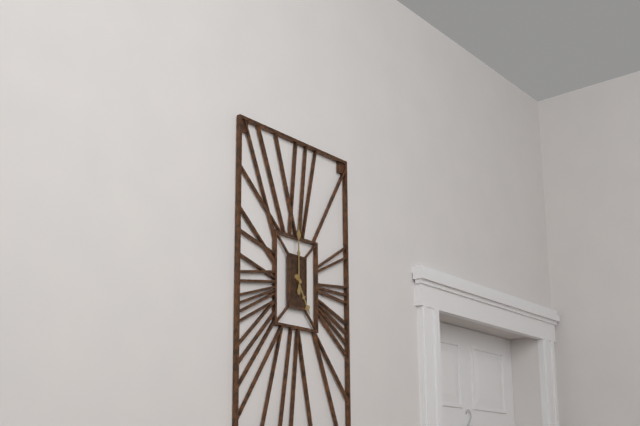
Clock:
5 h 00 min
